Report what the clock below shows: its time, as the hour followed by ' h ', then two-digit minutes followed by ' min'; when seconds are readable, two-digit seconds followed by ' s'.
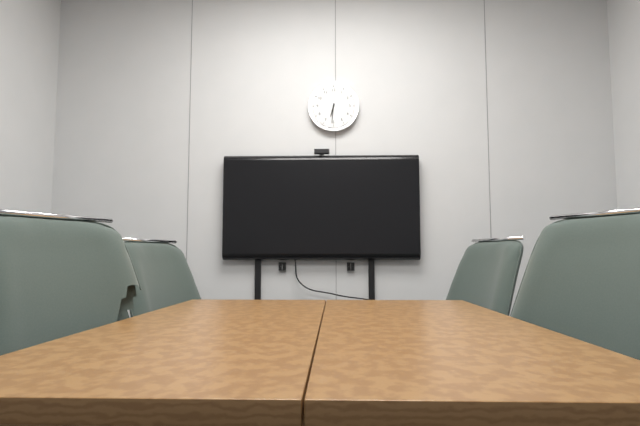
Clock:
6 h 31 min
